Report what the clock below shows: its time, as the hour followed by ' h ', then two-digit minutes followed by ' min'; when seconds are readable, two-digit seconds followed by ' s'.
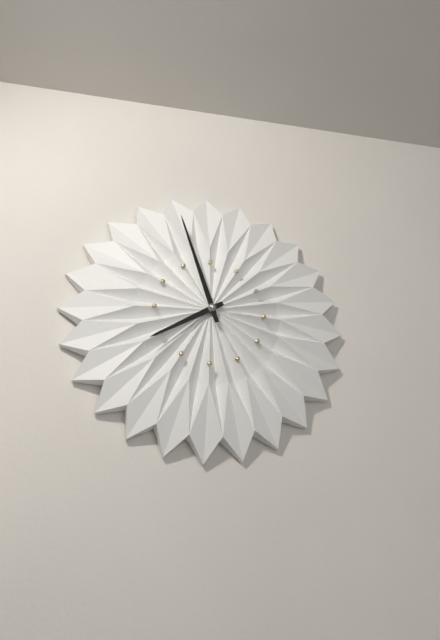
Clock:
7 h 57 min
